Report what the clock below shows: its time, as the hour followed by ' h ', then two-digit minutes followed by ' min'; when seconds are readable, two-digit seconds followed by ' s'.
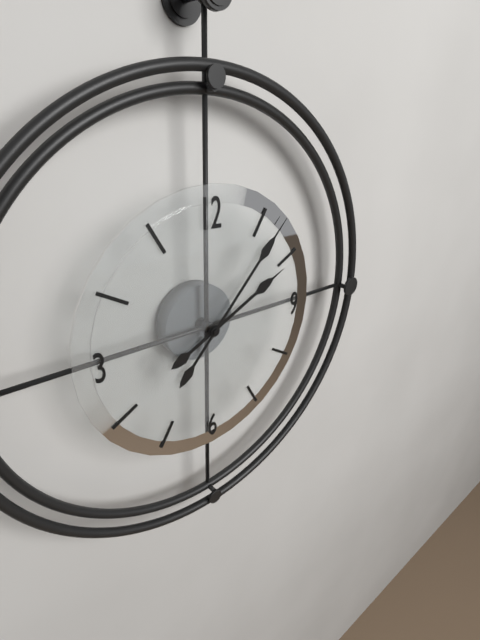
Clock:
2 h 07 min
